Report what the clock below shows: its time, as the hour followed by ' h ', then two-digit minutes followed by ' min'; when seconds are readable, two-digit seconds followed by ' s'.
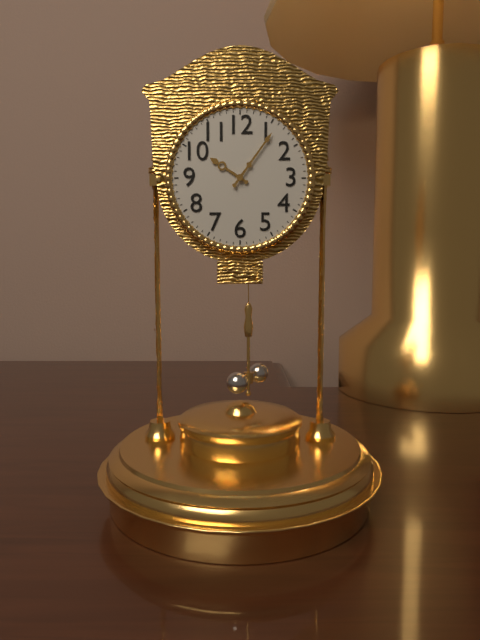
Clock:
10 h 06 min
